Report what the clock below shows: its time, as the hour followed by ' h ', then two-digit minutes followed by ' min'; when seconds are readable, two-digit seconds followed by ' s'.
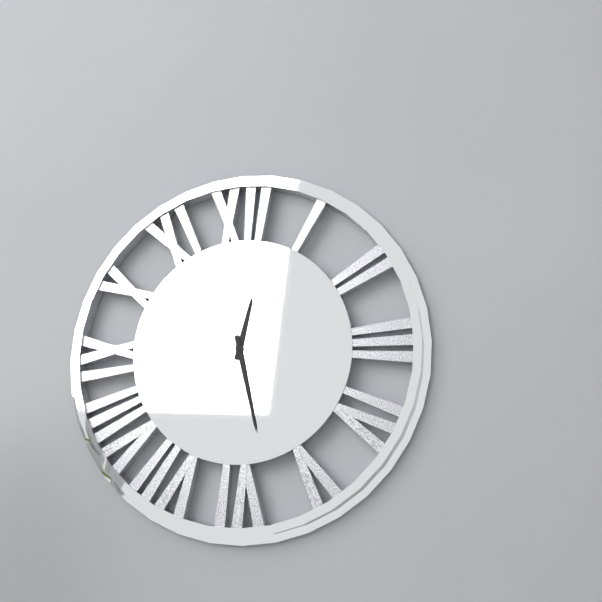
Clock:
12 h 28 min
